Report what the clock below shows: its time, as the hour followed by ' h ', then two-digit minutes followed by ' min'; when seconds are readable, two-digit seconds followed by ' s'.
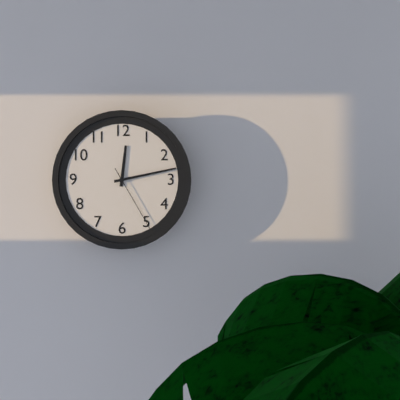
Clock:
12 h 13 min 25 s
